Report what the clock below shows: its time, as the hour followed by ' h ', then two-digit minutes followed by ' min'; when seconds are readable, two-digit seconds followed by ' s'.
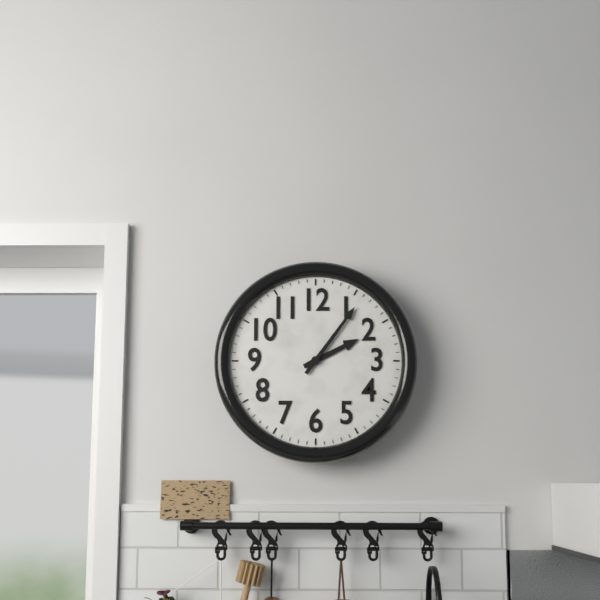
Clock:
2 h 06 min
